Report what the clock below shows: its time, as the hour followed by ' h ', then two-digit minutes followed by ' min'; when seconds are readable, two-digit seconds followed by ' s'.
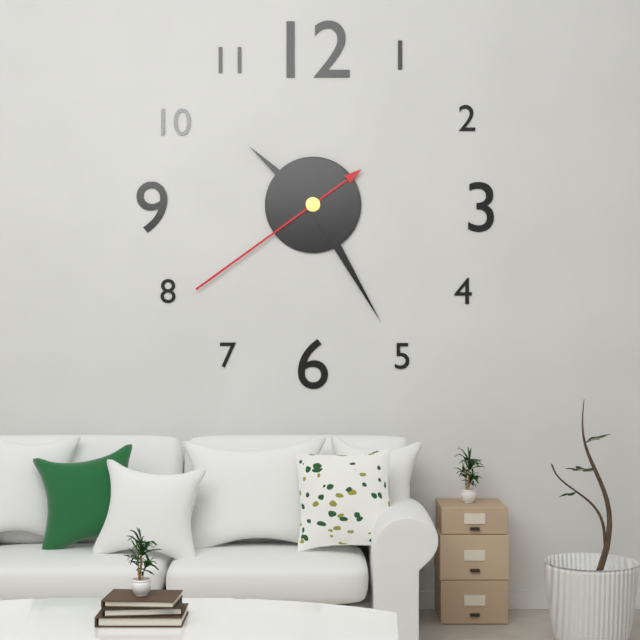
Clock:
10 h 25 min 39 s
